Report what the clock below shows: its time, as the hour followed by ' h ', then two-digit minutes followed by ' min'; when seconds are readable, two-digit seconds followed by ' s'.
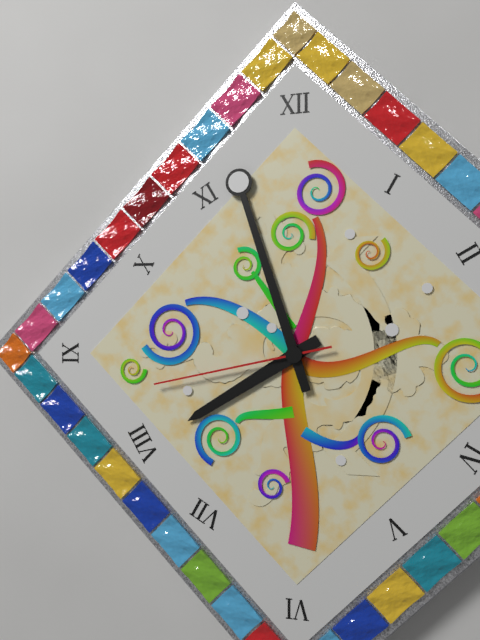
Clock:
7 h 57 min 43 s
